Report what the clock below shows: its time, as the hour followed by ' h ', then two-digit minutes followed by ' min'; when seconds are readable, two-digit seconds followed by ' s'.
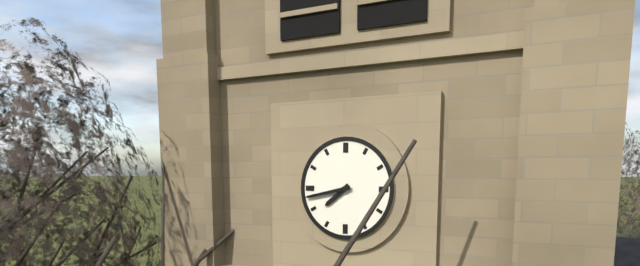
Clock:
7 h 43 min
